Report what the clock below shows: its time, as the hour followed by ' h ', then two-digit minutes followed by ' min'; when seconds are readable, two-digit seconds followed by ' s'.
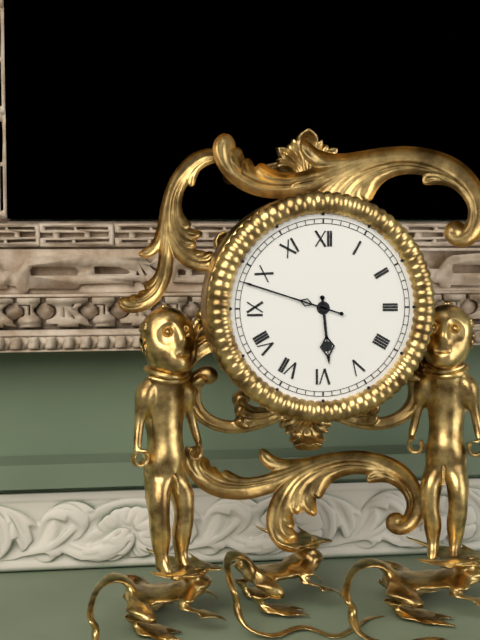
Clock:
5 h 48 min
